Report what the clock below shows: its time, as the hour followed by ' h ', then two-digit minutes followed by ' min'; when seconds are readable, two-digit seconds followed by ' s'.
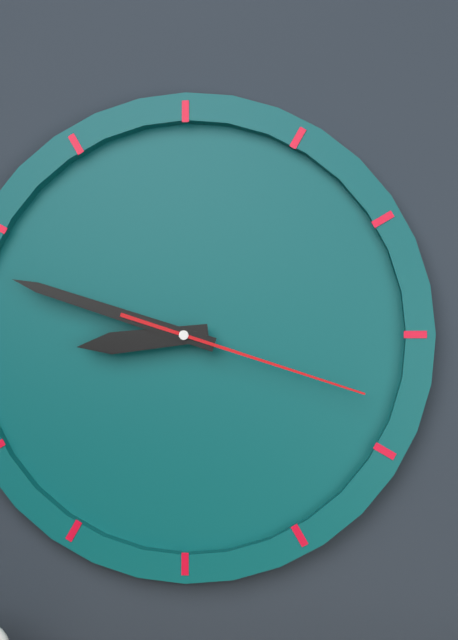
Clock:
8 h 48 min 18 s
